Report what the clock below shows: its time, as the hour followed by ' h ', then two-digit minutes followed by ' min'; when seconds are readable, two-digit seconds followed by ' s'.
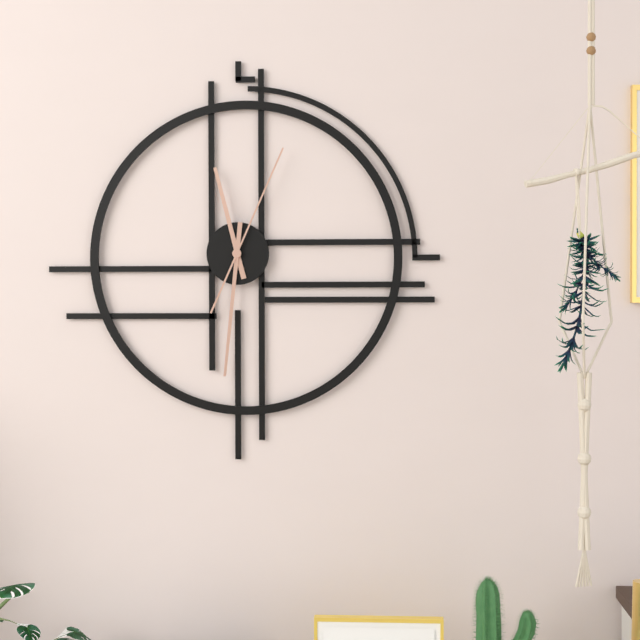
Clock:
11 h 31 min 04 s
